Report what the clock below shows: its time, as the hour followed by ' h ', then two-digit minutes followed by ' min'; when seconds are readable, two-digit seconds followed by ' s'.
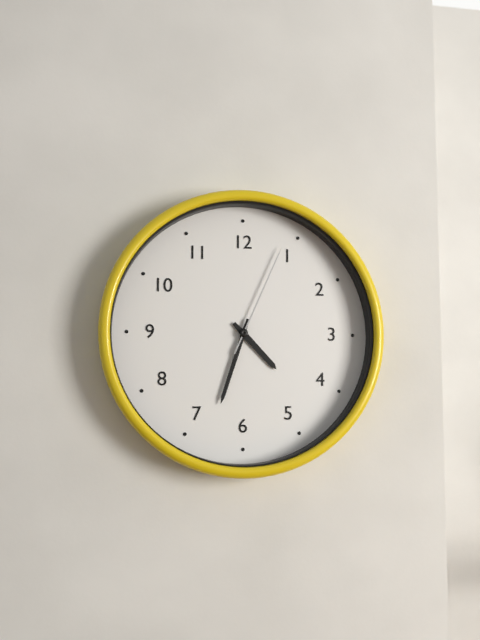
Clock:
4 h 33 min 04 s
